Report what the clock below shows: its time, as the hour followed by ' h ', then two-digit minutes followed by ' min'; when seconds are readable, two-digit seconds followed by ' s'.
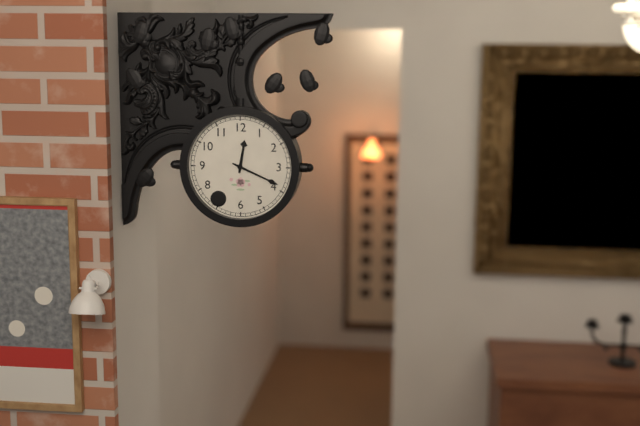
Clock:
12 h 19 min
